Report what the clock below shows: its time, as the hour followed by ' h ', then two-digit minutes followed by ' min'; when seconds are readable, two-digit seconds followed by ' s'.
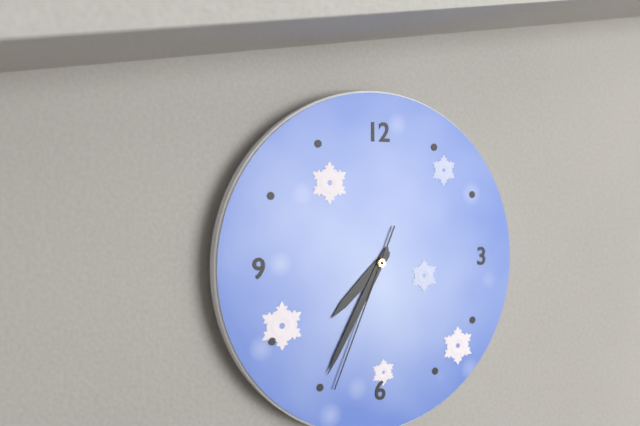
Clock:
7 h 35 min 34 s
